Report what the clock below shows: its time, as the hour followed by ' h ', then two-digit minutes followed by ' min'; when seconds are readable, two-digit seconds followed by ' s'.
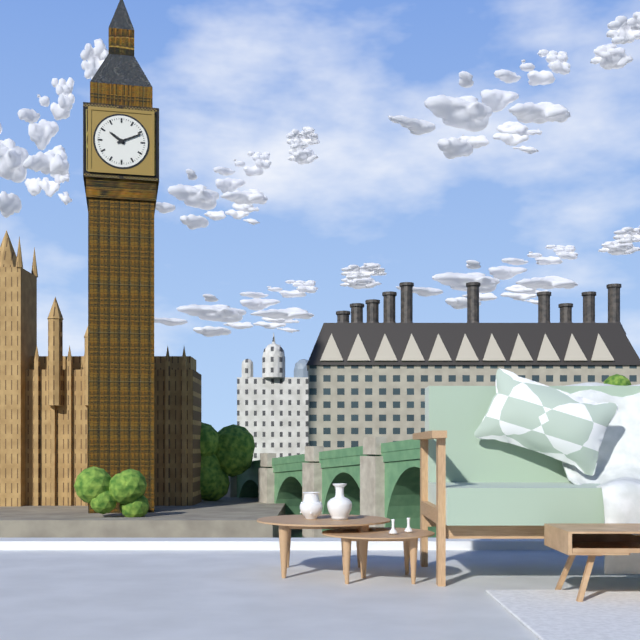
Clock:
10 h 11 min
